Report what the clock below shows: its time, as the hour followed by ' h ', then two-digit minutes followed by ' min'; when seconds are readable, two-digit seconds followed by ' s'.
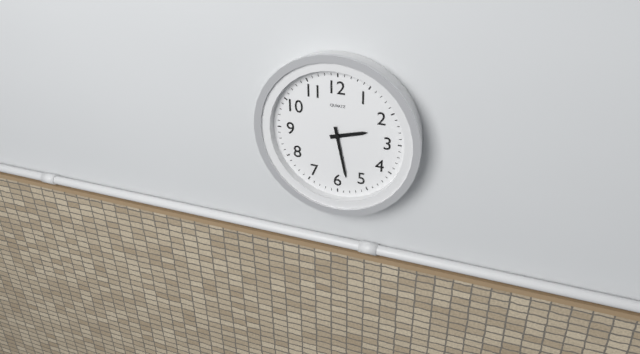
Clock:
2 h 28 min
